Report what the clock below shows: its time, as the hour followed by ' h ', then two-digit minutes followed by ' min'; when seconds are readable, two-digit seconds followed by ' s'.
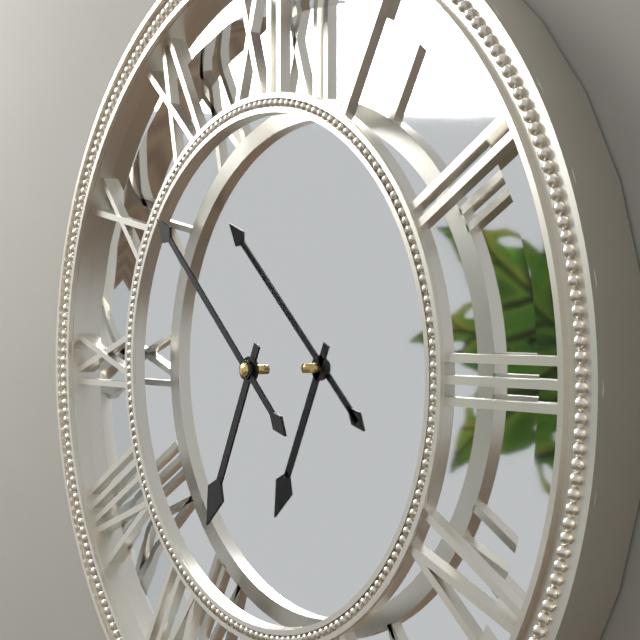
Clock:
6 h 52 min
